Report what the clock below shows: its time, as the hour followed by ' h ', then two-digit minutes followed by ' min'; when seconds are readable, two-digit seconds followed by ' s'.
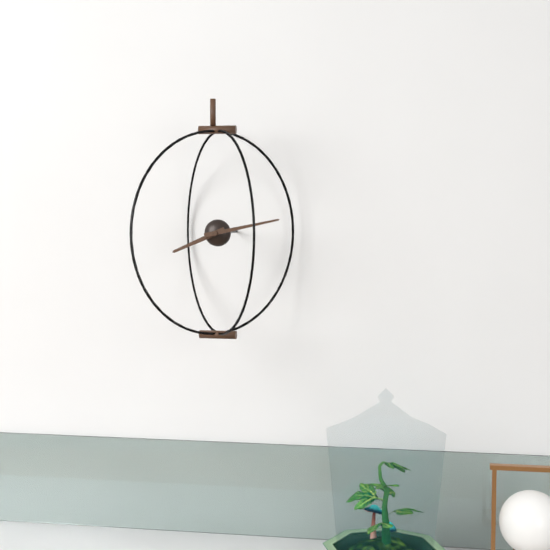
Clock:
8 h 13 min
